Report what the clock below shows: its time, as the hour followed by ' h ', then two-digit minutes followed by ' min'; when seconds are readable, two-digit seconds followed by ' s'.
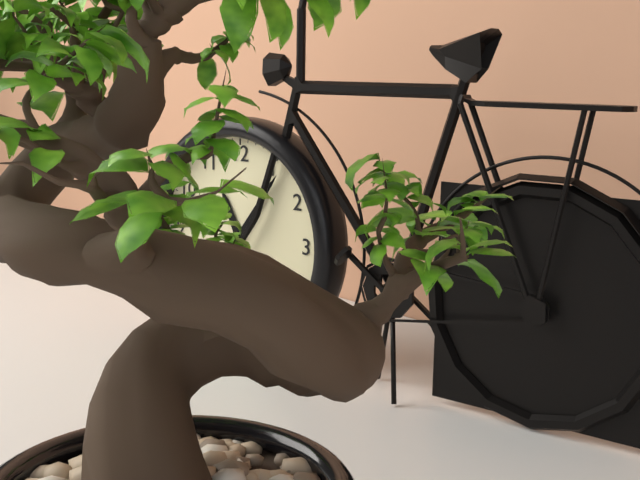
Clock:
11 h 06 min
